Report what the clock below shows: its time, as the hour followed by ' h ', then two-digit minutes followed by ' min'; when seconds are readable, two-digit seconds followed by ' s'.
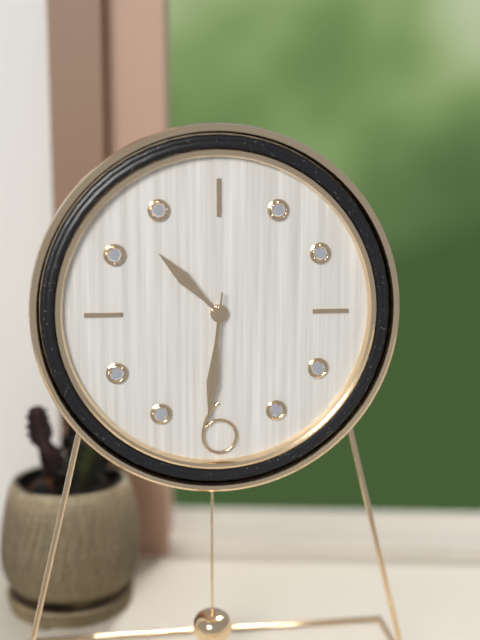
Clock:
10 h 31 min 31 s
